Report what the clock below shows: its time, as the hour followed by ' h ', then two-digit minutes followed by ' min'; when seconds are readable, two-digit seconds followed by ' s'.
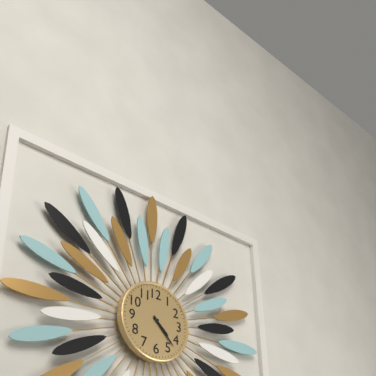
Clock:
4 h 23 min
